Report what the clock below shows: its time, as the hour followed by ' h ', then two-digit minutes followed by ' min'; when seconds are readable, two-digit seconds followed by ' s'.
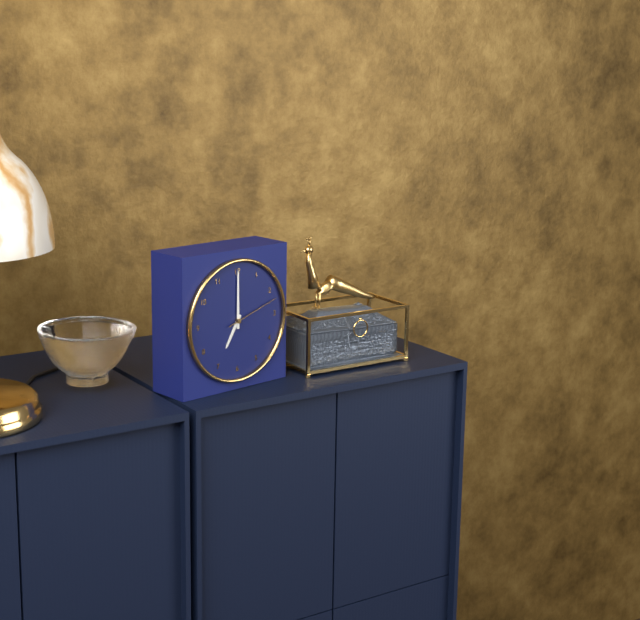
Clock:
7 h 00 min 12 s
